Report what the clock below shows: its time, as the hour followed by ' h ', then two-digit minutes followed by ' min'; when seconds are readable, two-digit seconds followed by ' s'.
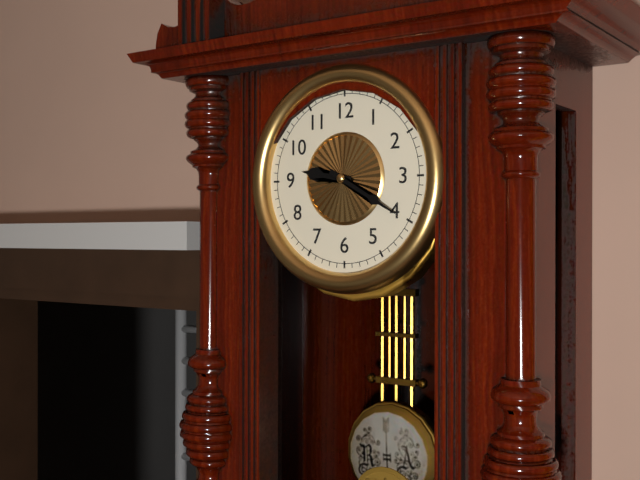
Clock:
9 h 20 min
